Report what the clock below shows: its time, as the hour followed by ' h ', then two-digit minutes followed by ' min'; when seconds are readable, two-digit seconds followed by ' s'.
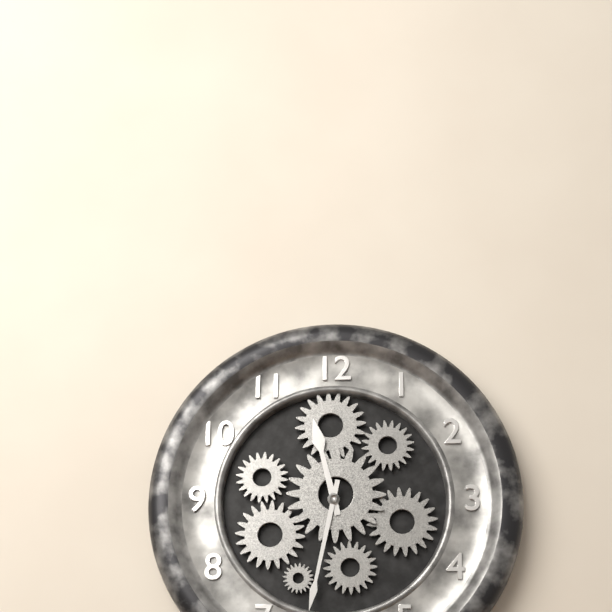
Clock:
11 h 32 min
